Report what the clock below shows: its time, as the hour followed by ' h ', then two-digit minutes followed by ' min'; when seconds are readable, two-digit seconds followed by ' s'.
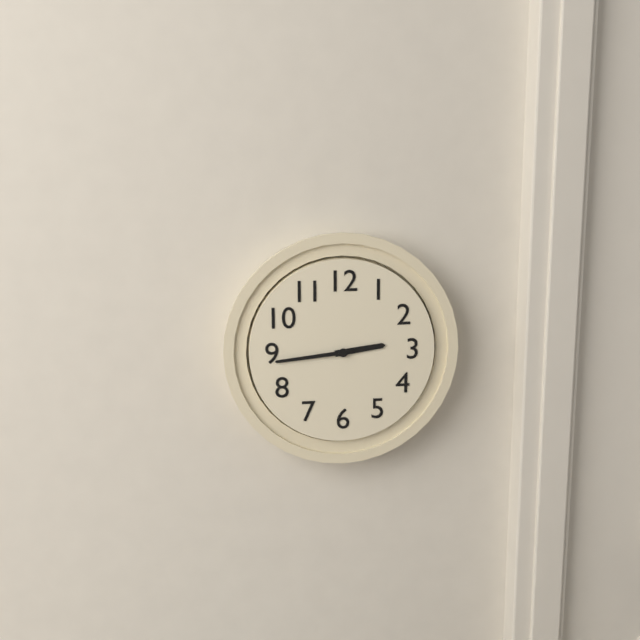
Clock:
2 h 44 min
